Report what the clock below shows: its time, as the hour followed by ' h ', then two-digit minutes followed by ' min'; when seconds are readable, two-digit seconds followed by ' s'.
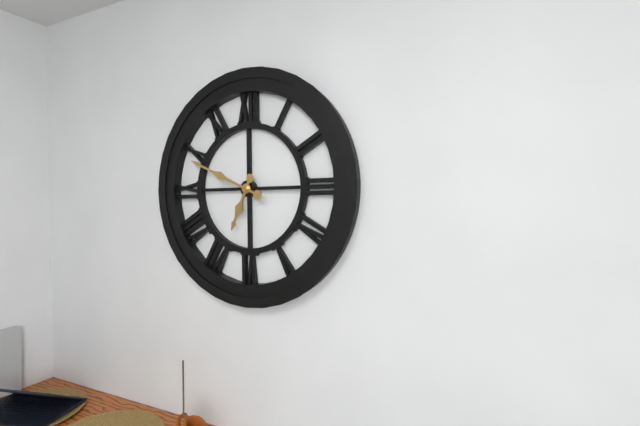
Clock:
6 h 49 min
